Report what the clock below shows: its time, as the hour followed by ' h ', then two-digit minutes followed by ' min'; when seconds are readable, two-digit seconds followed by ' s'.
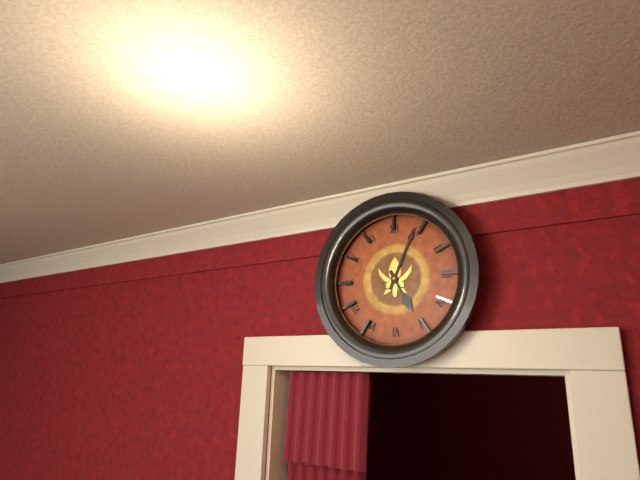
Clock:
5 h 04 min
